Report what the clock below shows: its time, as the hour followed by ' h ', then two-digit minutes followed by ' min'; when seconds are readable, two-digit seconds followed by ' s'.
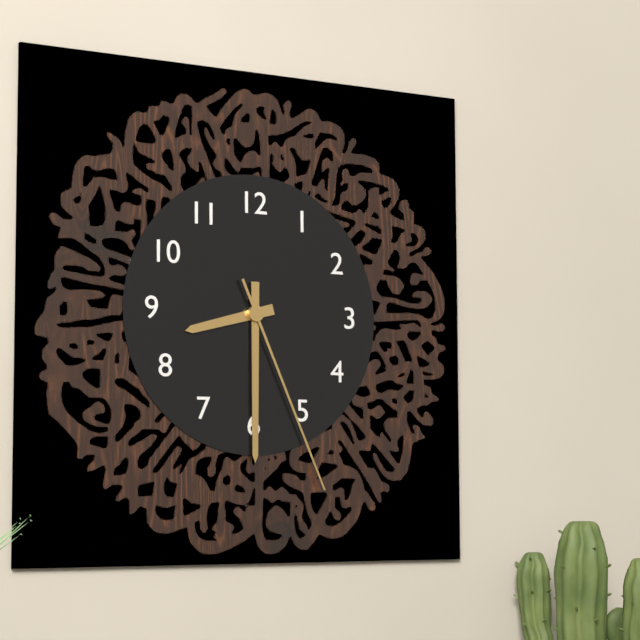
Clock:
8 h 30 min 26 s
